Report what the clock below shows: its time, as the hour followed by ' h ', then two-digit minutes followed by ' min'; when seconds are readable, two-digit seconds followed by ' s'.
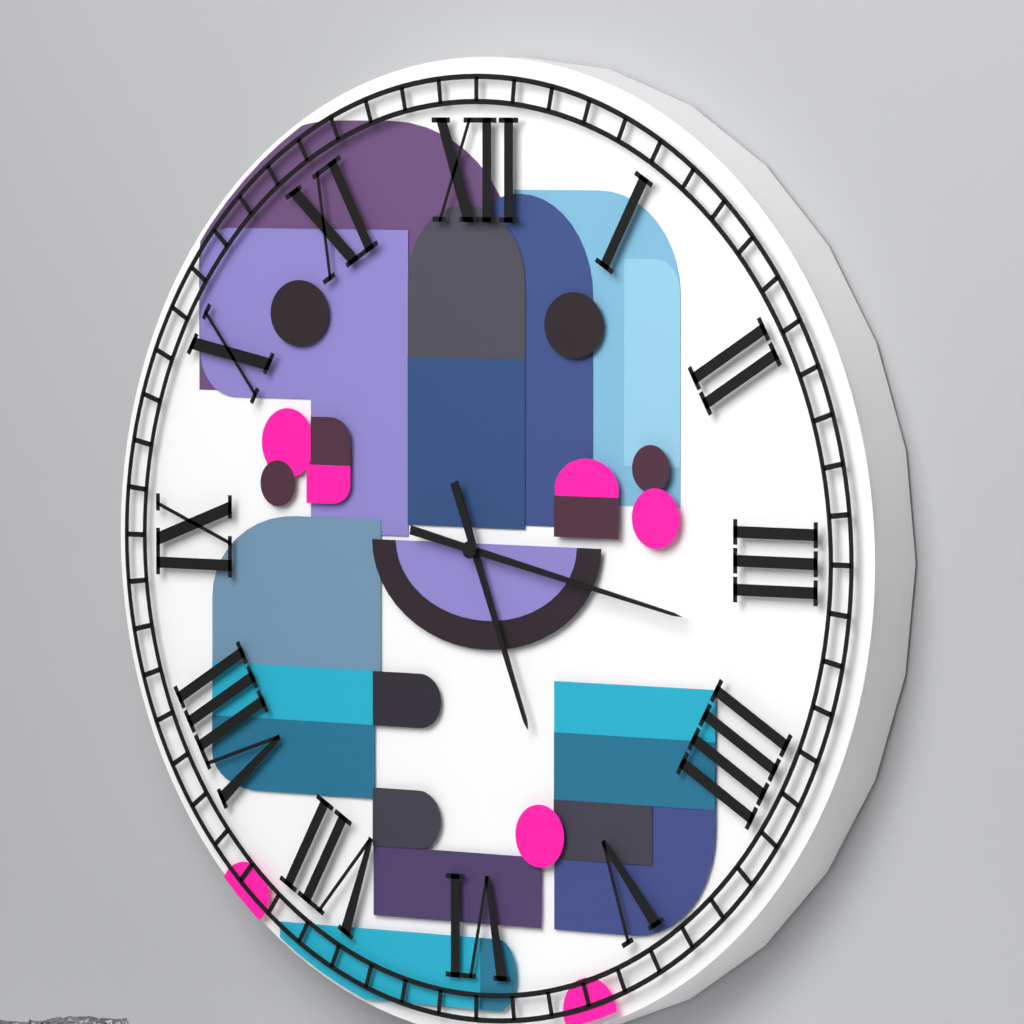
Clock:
5 h 17 min
